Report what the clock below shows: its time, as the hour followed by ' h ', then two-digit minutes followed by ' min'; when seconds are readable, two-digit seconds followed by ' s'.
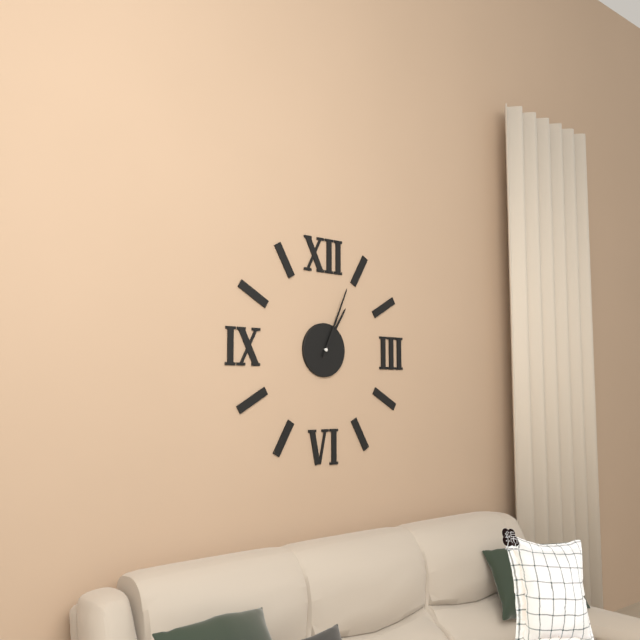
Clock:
1 h 04 min
